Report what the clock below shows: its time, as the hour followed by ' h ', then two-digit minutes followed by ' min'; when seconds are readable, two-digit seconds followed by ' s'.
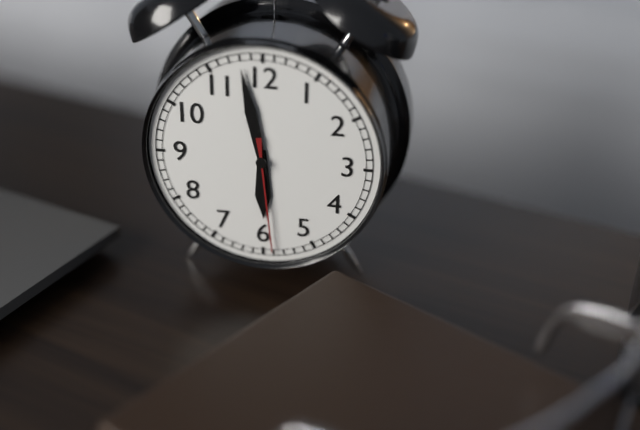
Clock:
5 h 58 min 29 s
